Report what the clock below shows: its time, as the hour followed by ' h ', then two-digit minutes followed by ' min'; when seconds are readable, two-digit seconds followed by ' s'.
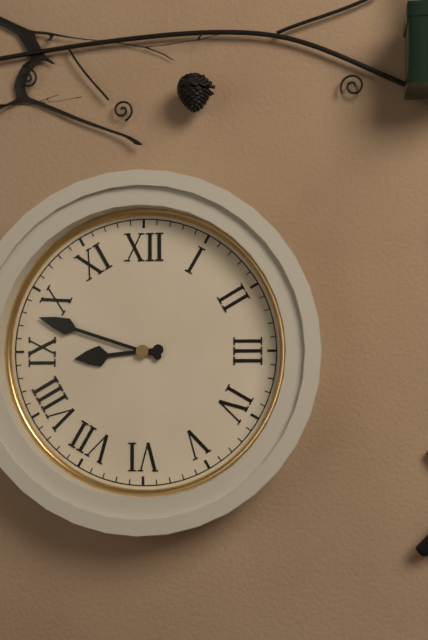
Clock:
8 h 48 min
